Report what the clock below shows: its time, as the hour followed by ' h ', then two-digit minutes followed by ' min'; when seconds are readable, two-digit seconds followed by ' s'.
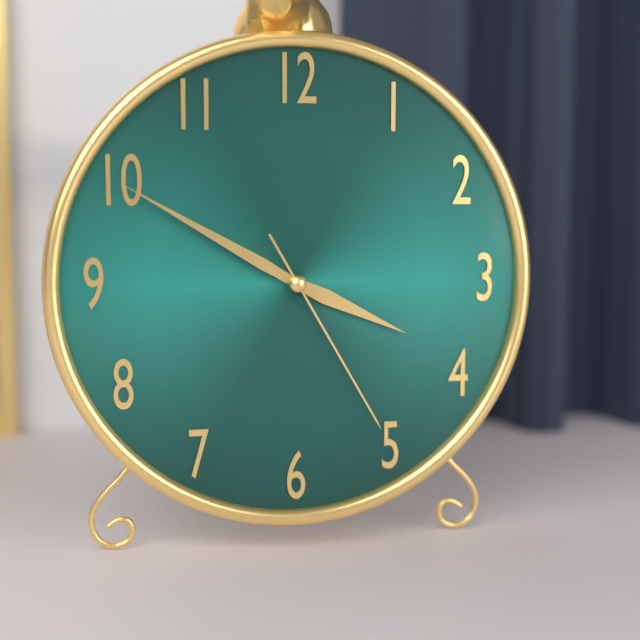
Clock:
3 h 50 min 25 s
